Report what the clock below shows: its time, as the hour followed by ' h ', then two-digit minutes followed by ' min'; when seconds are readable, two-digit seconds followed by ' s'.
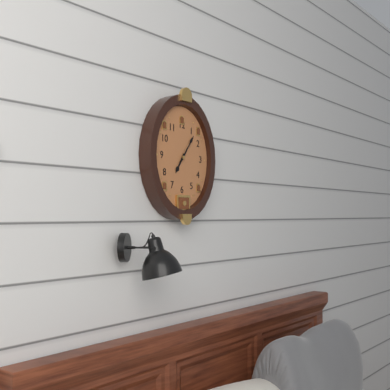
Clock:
7 h 06 min
